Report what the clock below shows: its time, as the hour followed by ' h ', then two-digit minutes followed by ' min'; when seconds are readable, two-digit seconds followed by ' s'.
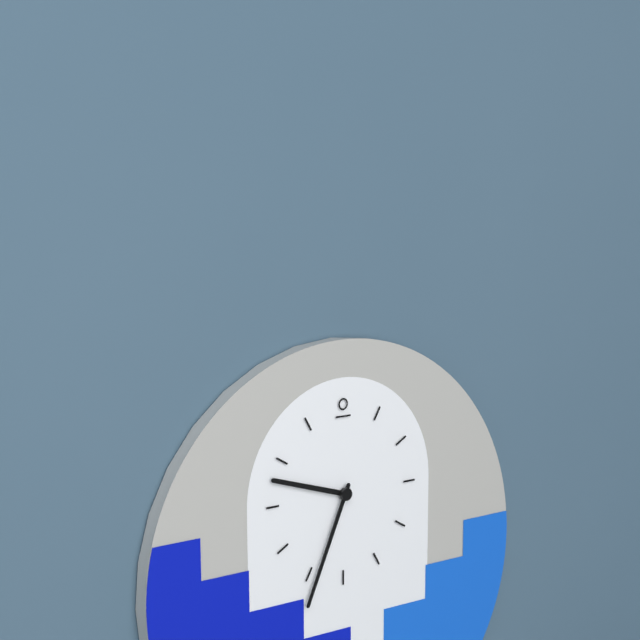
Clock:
9 h 34 min
